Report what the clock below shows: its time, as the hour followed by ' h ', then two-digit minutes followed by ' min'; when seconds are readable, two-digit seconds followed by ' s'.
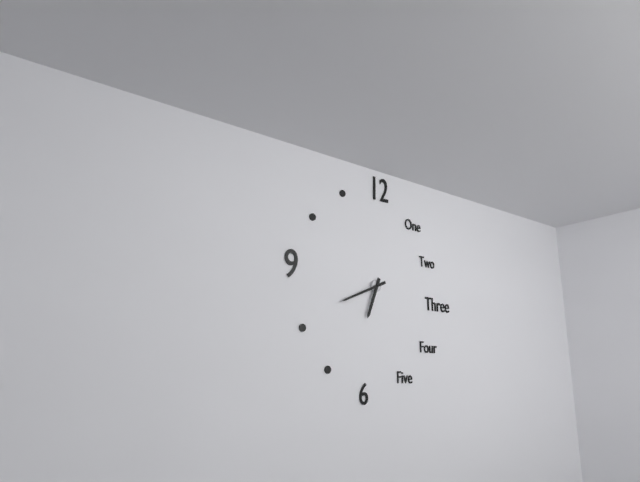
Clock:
6 h 41 min
